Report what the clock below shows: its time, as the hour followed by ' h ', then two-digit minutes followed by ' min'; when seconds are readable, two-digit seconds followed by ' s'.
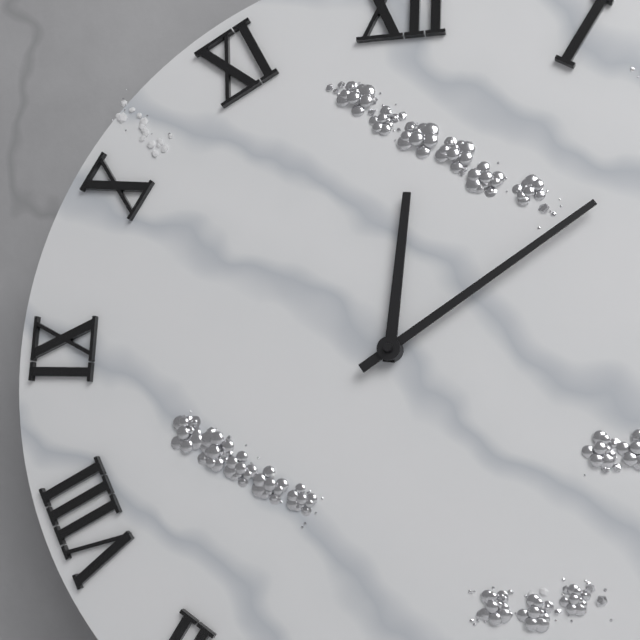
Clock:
12 h 09 min
